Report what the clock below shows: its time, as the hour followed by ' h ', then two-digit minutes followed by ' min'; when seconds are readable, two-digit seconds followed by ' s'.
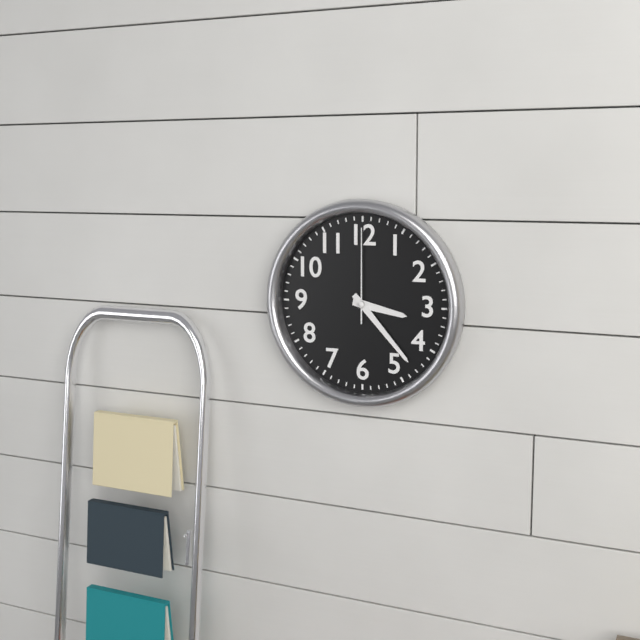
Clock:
3 h 23 min 00 s
